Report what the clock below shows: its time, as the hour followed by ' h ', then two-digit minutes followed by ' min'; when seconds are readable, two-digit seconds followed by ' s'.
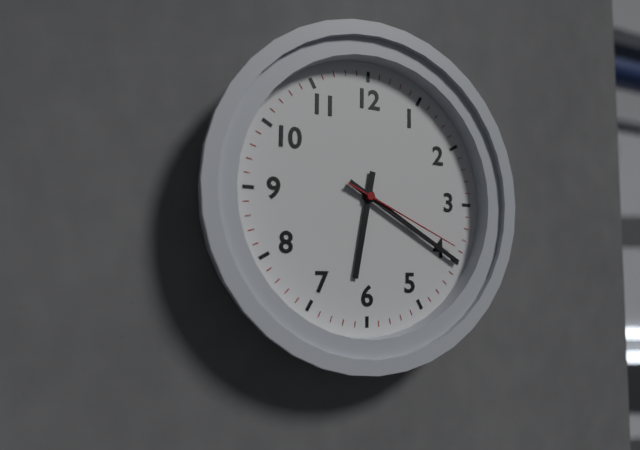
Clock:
6 h 20 min 19 s
